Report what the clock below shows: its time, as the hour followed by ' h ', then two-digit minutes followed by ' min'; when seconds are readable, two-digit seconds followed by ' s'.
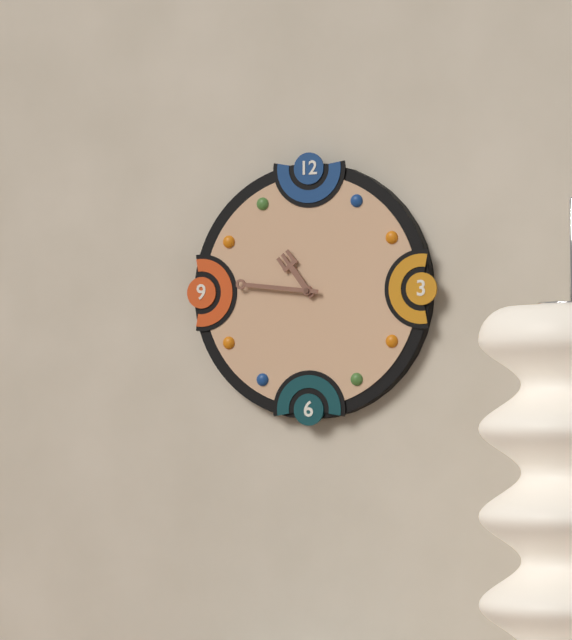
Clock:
10 h 46 min
